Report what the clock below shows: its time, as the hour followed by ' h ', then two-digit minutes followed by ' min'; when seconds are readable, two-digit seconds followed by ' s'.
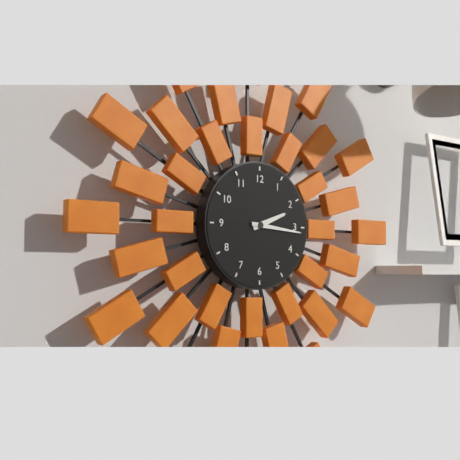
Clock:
2 h 16 min
